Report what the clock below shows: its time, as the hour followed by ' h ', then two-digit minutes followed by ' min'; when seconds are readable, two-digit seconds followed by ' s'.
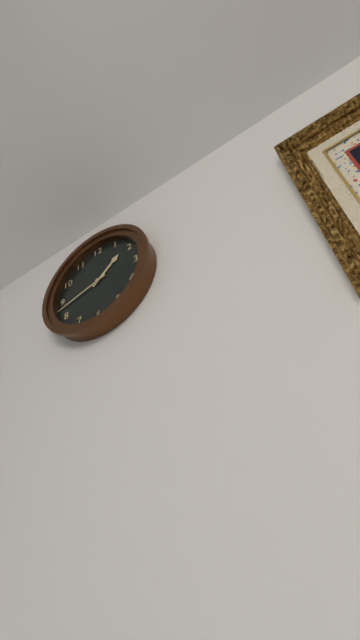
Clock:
1 h 43 min
